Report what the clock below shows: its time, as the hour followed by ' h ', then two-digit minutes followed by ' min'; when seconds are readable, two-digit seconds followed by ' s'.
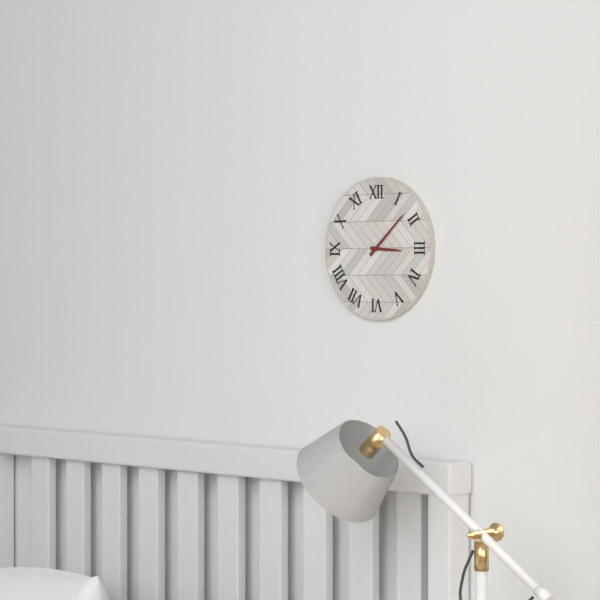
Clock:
3 h 08 min
